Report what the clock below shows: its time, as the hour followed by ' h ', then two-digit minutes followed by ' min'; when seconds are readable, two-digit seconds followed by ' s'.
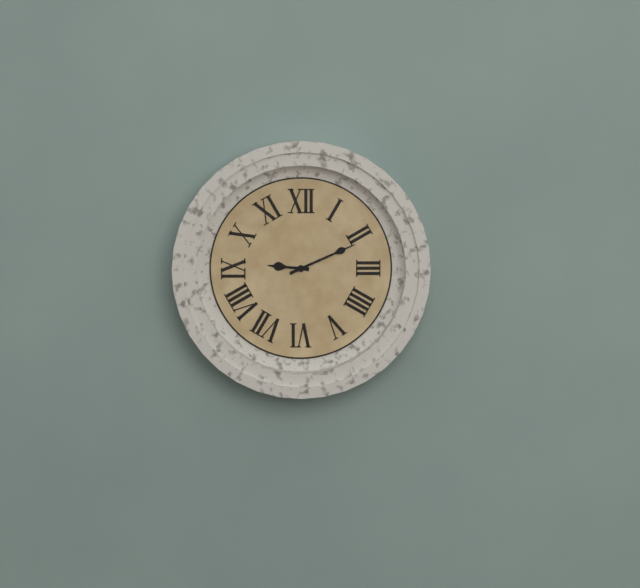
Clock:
9 h 11 min
